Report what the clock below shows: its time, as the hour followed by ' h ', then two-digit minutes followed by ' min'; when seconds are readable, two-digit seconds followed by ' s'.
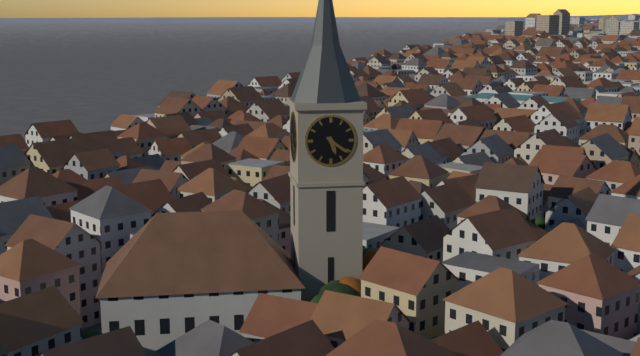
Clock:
5 h 21 min
